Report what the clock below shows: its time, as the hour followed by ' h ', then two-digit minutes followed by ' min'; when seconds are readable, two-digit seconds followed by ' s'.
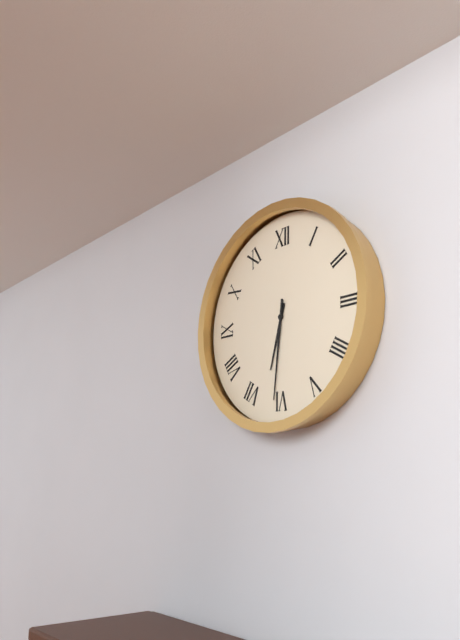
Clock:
6 h 31 min
